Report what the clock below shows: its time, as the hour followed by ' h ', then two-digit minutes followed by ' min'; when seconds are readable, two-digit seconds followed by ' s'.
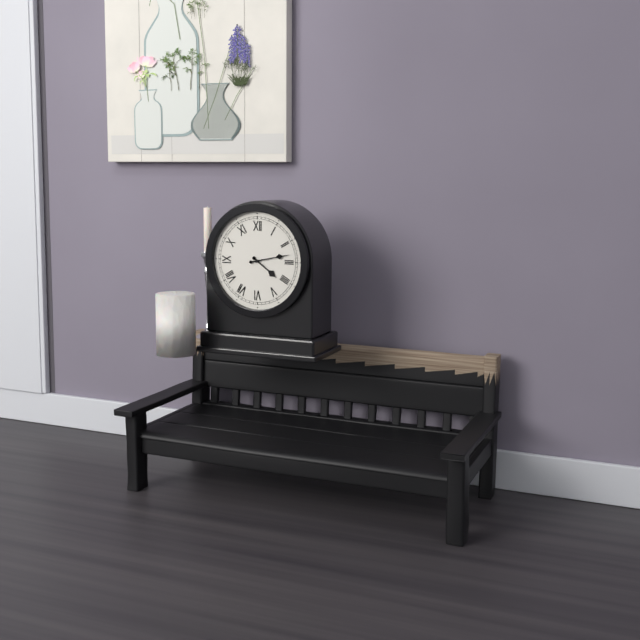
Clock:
4 h 13 min
